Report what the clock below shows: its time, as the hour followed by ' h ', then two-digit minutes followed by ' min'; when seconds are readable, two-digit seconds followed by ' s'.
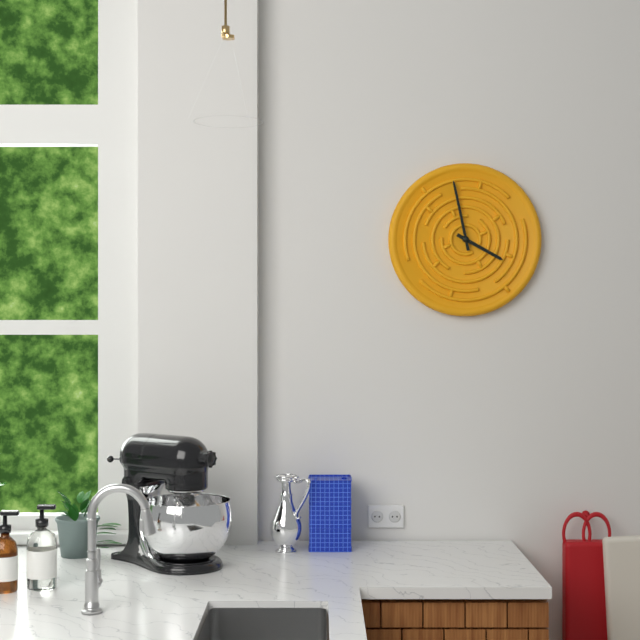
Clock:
3 h 58 min
